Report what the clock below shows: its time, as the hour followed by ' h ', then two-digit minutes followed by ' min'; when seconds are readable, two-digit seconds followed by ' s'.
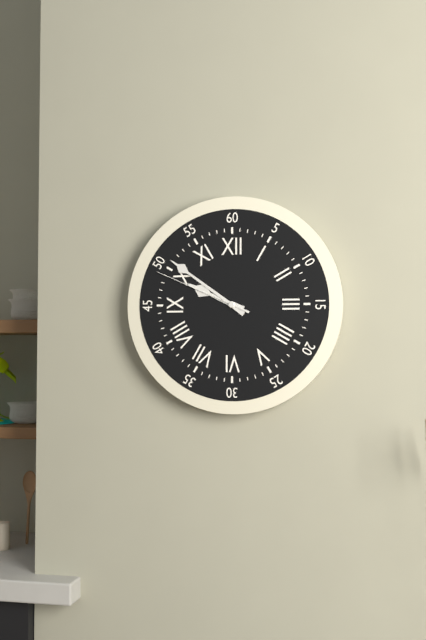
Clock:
9 h 51 min 49 s
